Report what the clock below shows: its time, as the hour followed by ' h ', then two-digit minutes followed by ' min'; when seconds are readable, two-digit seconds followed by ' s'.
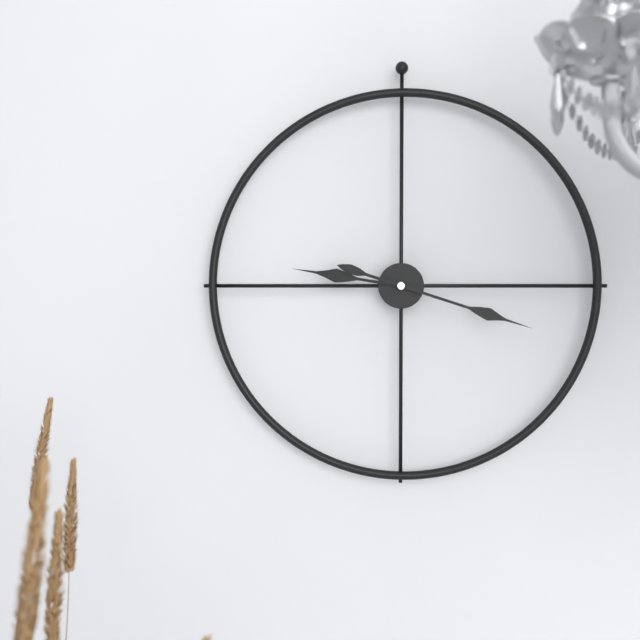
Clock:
9 h 18 min
